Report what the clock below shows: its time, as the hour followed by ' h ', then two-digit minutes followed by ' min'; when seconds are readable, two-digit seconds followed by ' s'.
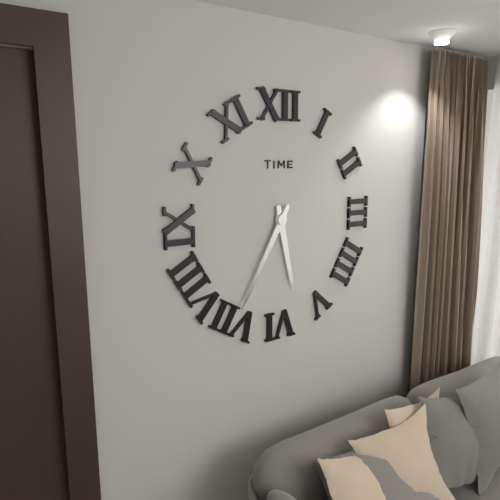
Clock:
5 h 35 min
